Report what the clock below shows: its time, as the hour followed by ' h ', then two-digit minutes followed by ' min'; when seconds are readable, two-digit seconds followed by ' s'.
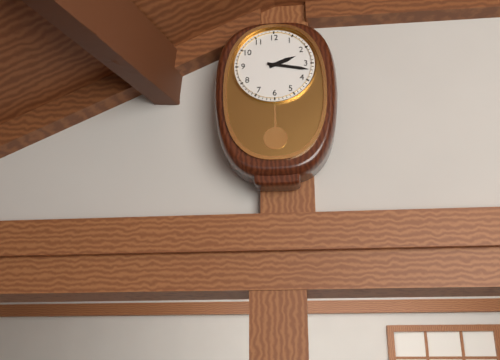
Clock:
2 h 17 min
